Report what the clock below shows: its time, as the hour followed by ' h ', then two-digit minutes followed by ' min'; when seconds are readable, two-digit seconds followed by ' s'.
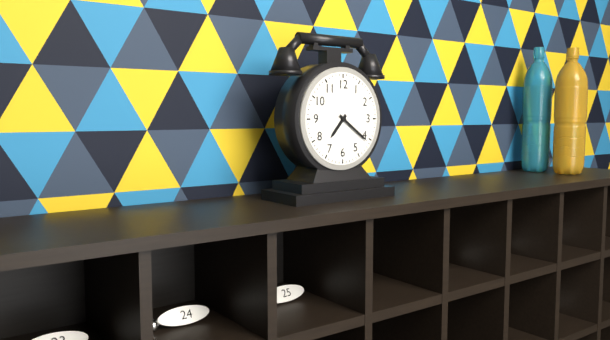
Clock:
7 h 21 min
